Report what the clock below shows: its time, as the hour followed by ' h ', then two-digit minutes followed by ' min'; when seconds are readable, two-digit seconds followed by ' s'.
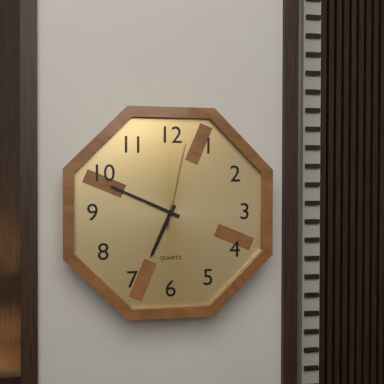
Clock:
6 h 49 min 02 s
